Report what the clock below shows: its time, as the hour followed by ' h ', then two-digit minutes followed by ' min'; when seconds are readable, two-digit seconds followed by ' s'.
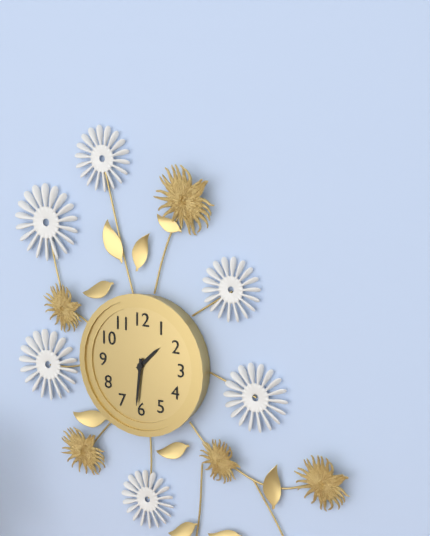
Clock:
1 h 31 min
